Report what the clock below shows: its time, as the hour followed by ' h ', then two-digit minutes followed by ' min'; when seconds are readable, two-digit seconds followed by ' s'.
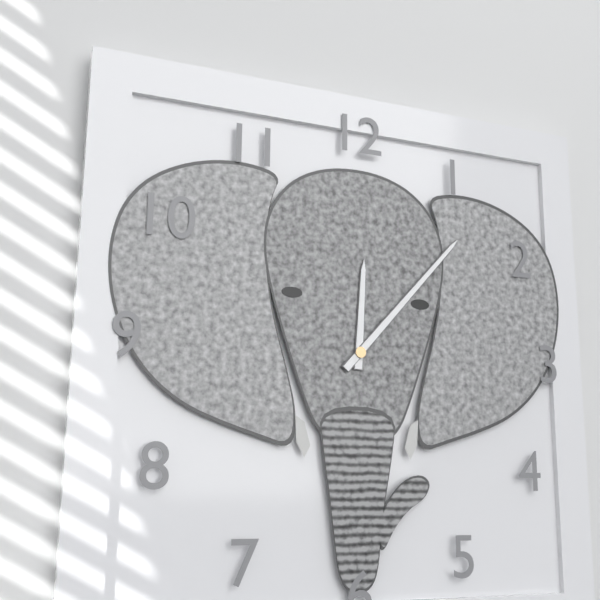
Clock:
12 h 07 min
